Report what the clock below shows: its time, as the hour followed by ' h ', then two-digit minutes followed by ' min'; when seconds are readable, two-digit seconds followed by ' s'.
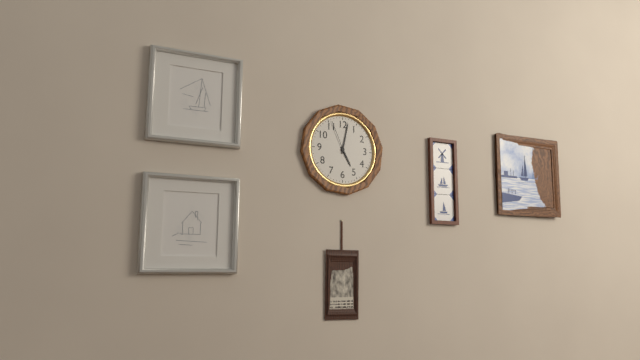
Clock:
5 h 02 min
